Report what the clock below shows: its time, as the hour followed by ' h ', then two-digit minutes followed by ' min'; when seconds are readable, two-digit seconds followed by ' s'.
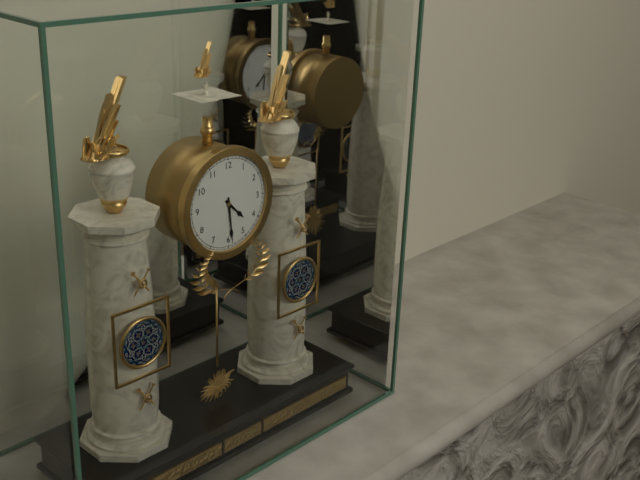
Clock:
4 h 29 min
